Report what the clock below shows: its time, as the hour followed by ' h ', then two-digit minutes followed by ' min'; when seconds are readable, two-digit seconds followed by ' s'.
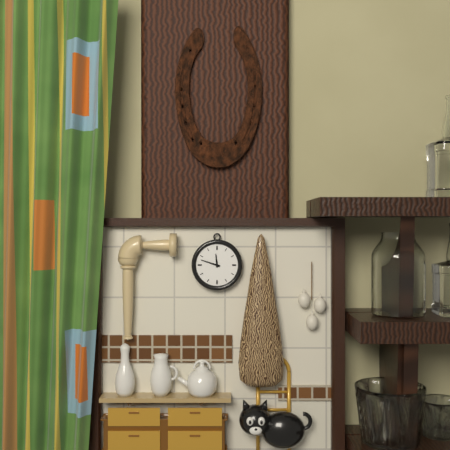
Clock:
11 h 48 min
